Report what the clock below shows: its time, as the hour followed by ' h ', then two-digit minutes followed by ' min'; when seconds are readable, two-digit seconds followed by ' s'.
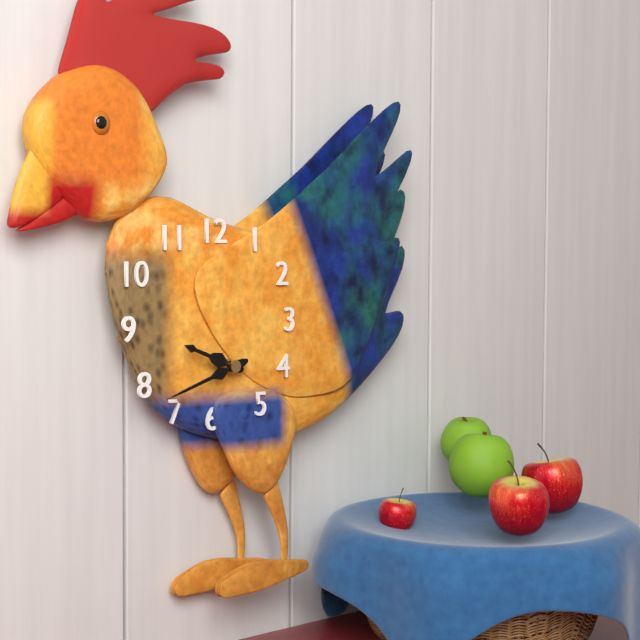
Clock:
9 h 42 min
